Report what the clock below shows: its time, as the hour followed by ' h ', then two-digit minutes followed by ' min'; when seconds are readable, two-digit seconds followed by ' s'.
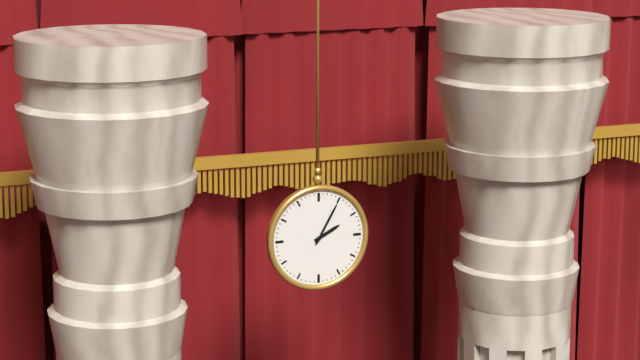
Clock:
2 h 05 min
